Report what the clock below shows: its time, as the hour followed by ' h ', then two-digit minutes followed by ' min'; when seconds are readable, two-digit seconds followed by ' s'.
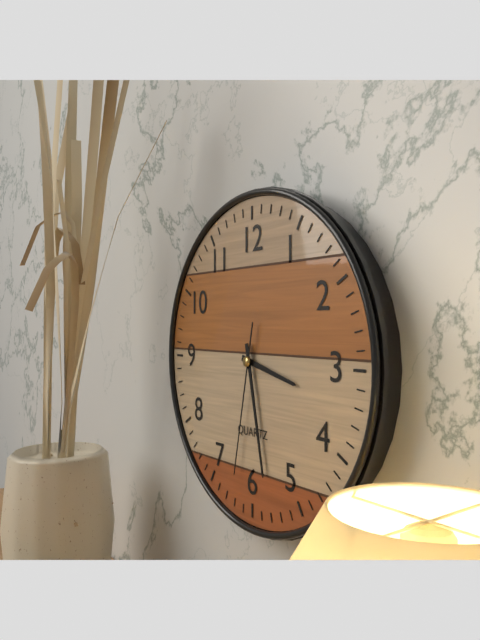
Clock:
3 h 28 min 32 s
